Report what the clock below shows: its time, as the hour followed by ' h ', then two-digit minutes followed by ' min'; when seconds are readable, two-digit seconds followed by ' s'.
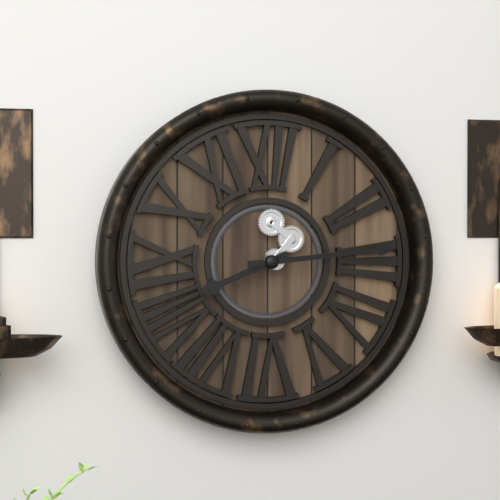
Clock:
8 h 14 min
